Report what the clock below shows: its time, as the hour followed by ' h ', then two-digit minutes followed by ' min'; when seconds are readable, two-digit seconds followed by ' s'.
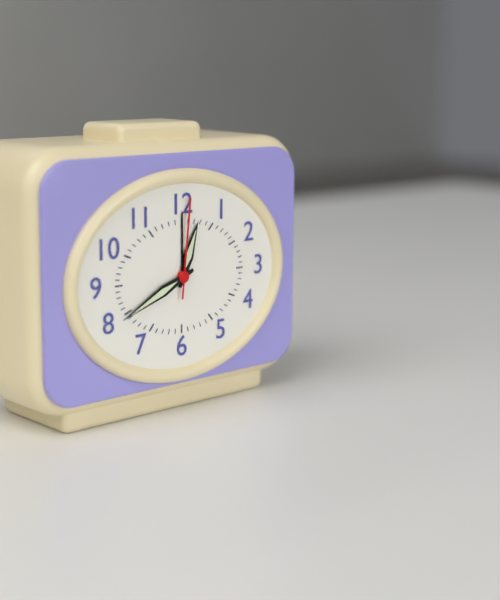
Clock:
12 h 41 min 01 s
